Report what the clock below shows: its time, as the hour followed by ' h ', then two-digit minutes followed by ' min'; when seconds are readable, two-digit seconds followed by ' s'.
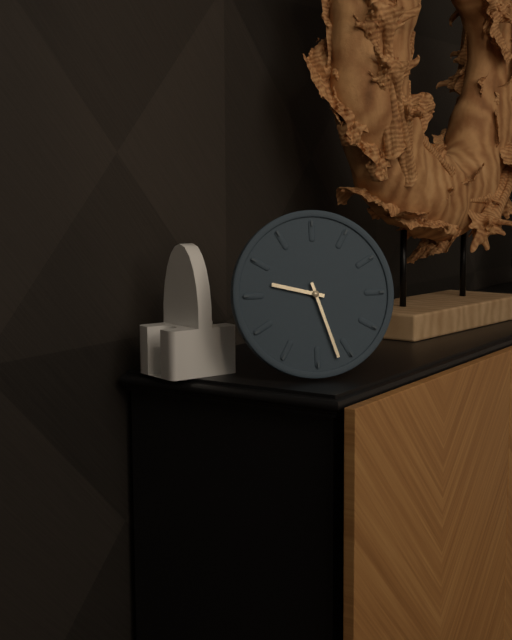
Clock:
9 h 27 min
